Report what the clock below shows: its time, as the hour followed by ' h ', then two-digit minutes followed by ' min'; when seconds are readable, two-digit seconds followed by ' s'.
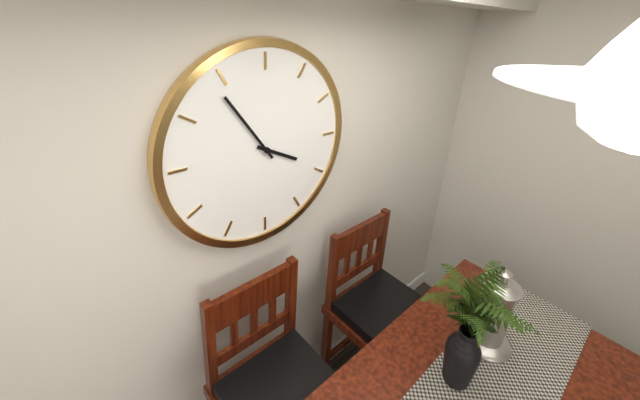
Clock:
3 h 54 min
